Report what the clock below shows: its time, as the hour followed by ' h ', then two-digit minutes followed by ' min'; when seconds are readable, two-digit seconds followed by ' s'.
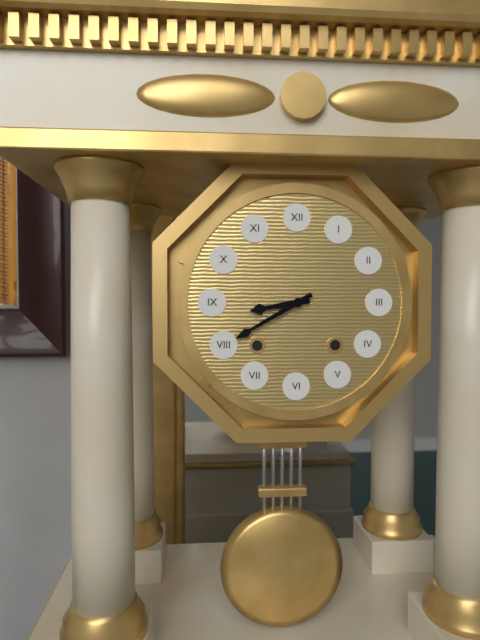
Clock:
8 h 40 min
